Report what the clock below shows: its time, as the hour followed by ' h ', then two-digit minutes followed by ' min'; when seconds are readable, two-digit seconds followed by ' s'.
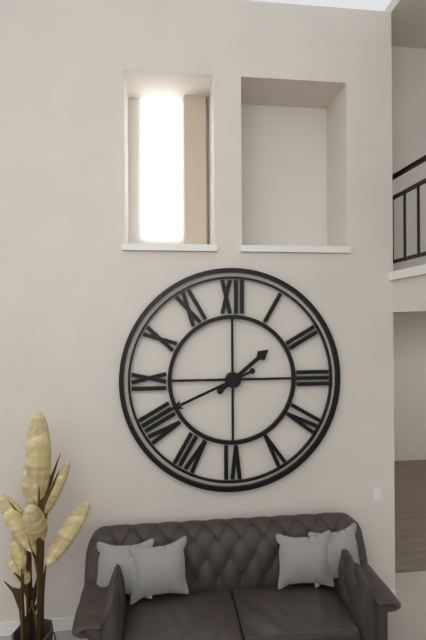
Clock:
1 h 41 min
